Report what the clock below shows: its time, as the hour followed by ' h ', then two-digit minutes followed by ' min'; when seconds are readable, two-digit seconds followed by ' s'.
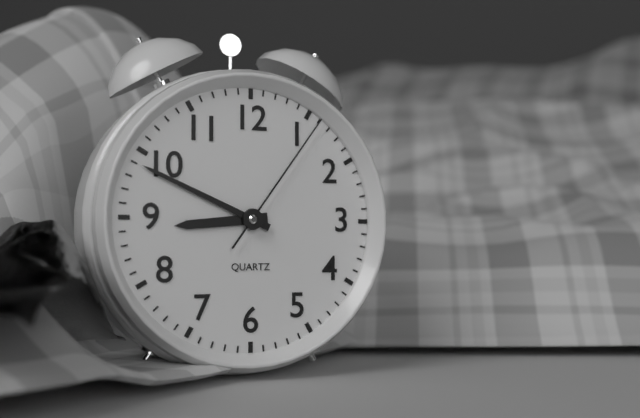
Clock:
8 h 49 min 06 s
